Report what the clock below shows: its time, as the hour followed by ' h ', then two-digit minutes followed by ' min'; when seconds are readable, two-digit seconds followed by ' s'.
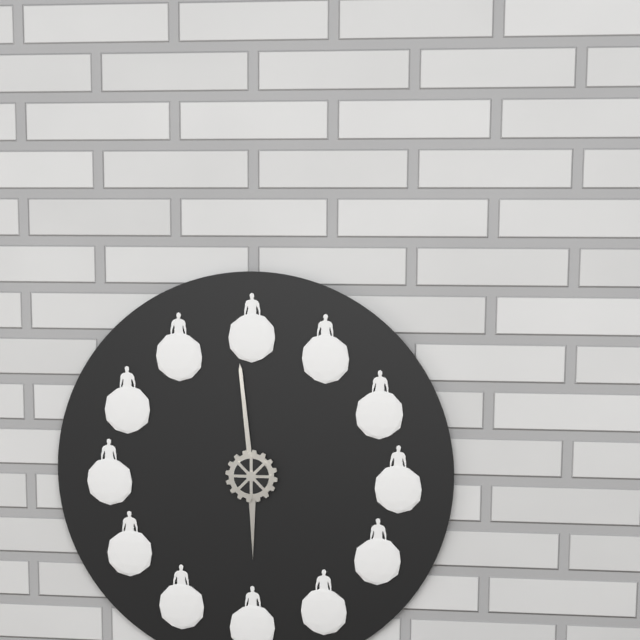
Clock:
5 h 59 min
